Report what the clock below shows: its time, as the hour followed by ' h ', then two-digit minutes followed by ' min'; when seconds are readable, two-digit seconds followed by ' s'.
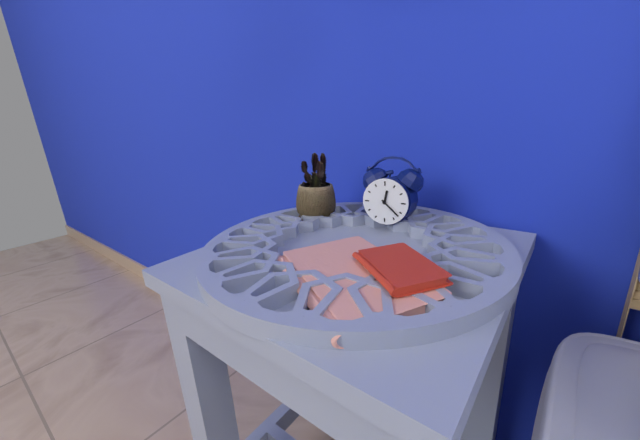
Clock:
12 h 22 min
